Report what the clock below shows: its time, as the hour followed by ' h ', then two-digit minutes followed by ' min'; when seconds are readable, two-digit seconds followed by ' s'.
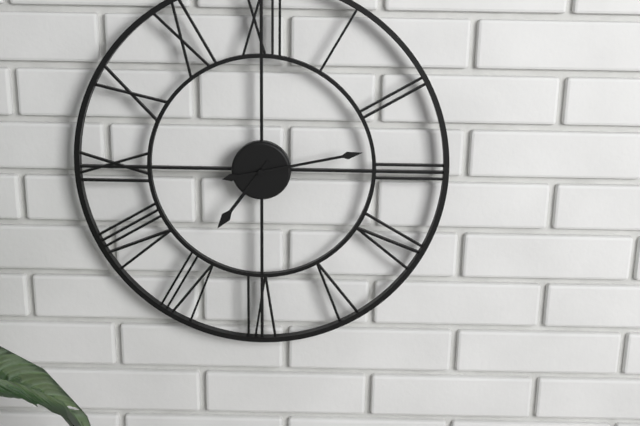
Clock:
7 h 13 min
